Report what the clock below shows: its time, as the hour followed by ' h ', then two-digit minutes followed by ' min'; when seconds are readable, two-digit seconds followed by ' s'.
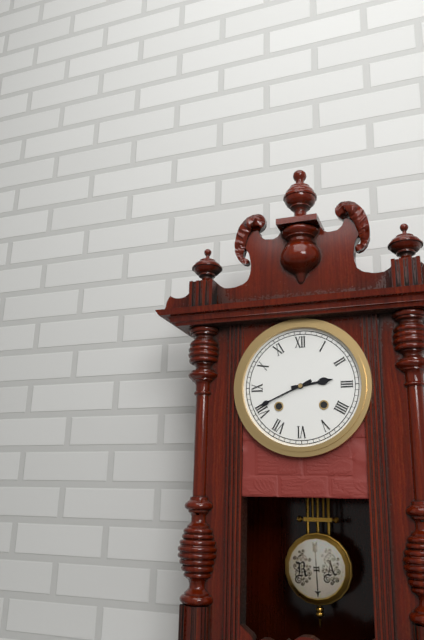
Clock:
2 h 41 min
